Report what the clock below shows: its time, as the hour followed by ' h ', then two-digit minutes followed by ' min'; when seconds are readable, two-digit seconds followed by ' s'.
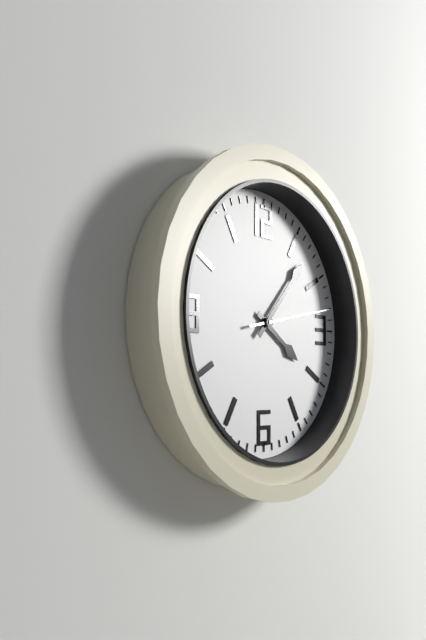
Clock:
4 h 07 min 13 s
